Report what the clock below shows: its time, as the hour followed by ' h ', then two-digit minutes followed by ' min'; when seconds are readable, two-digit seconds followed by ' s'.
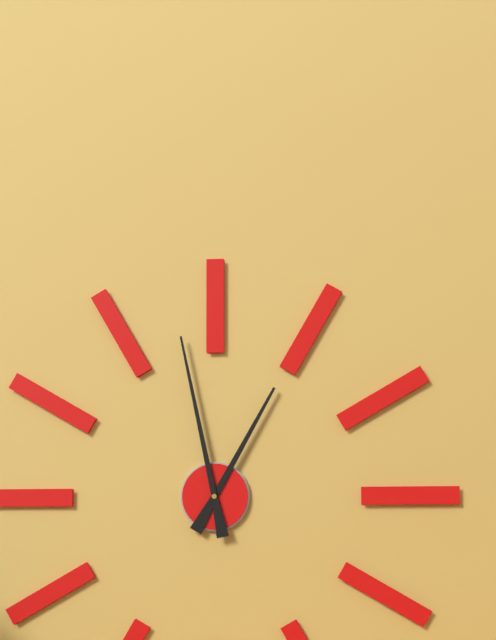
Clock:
12 h 58 min
